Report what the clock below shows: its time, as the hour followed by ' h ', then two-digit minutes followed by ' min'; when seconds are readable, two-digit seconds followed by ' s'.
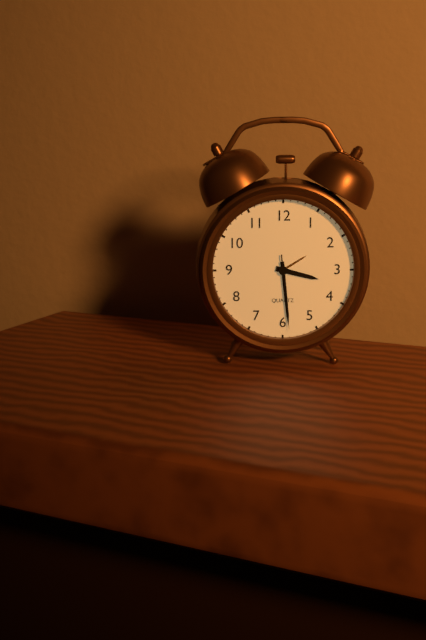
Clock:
3 h 29 min 29 s
